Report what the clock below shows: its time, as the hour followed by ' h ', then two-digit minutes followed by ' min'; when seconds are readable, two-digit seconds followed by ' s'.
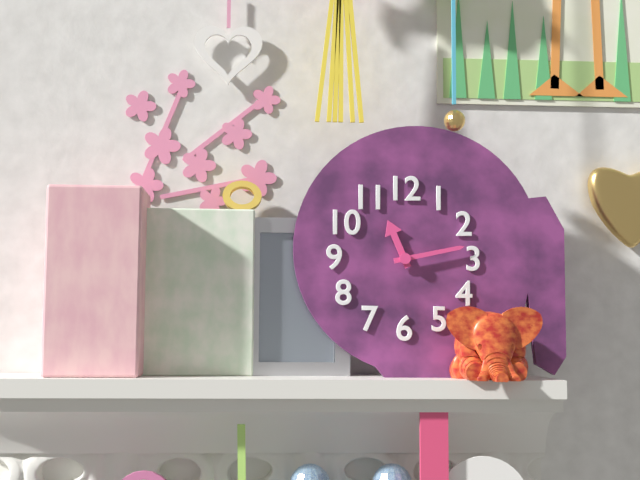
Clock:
11 h 13 min
